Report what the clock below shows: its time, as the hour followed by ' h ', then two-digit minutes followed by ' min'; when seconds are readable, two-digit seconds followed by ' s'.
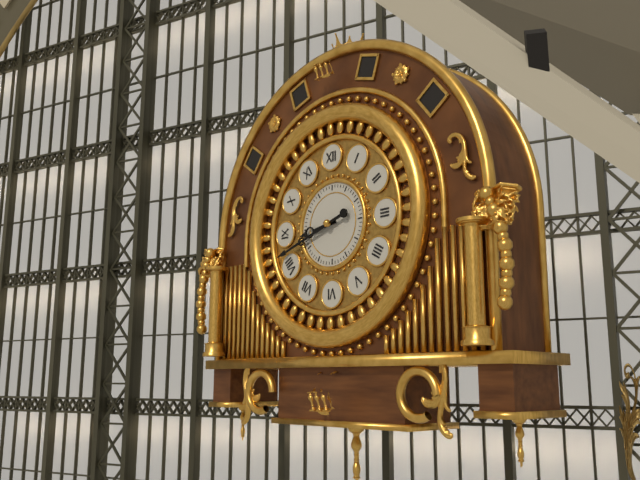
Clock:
8 h 42 min
